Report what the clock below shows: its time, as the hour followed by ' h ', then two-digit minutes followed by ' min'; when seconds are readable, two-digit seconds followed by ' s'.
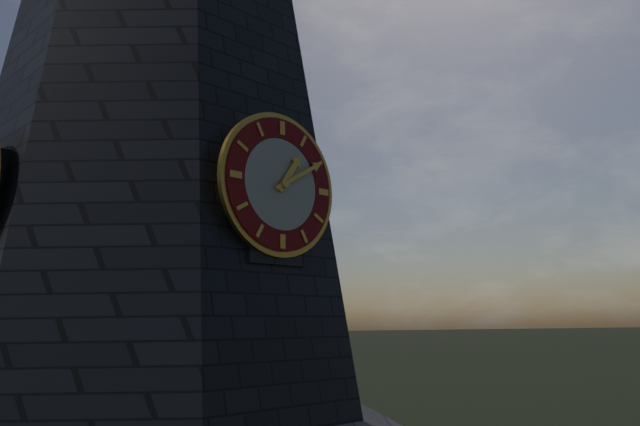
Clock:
1 h 10 min
